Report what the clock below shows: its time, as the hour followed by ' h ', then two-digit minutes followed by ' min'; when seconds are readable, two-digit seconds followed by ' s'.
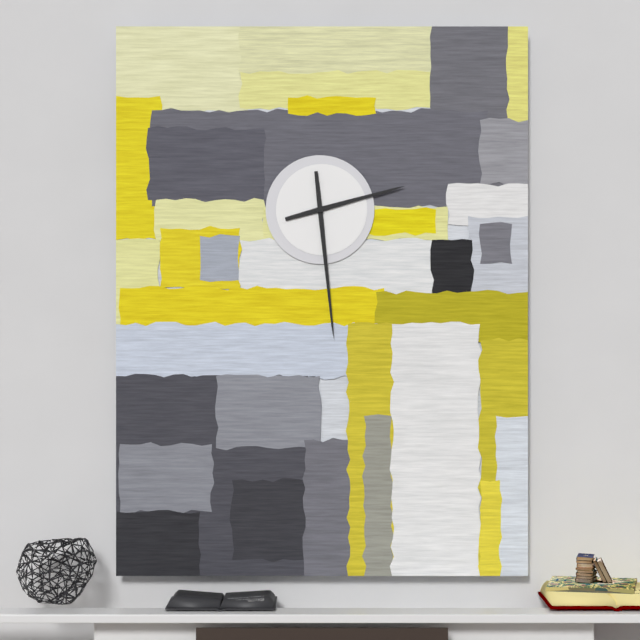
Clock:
2 h 29 min
